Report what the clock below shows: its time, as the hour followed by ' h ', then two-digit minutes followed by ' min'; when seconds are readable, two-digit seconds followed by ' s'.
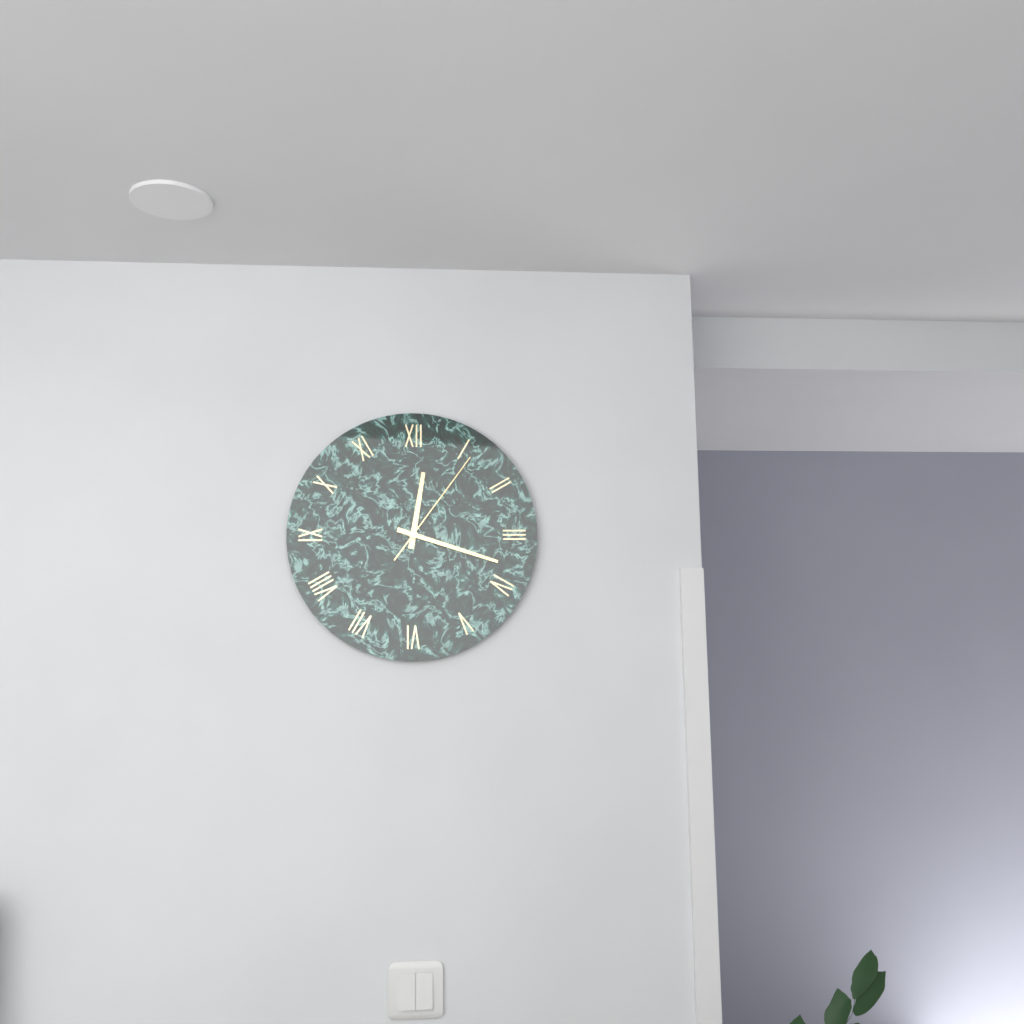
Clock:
12 h 18 min 06 s
